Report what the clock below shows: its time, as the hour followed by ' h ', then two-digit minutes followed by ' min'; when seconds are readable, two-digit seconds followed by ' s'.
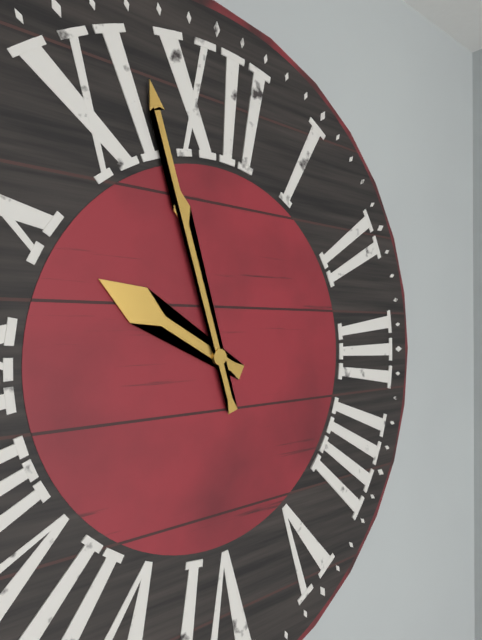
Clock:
9 h 57 min
